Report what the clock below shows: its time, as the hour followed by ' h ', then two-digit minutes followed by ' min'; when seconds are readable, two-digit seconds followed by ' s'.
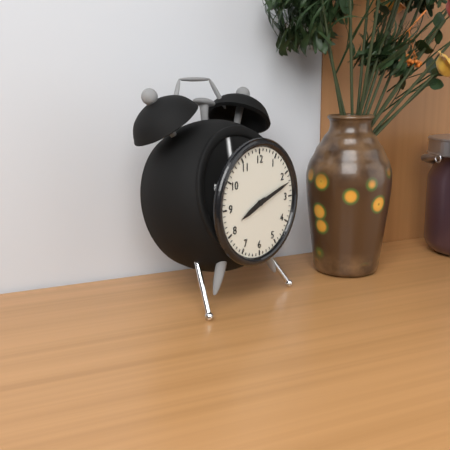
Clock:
8 h 12 min
